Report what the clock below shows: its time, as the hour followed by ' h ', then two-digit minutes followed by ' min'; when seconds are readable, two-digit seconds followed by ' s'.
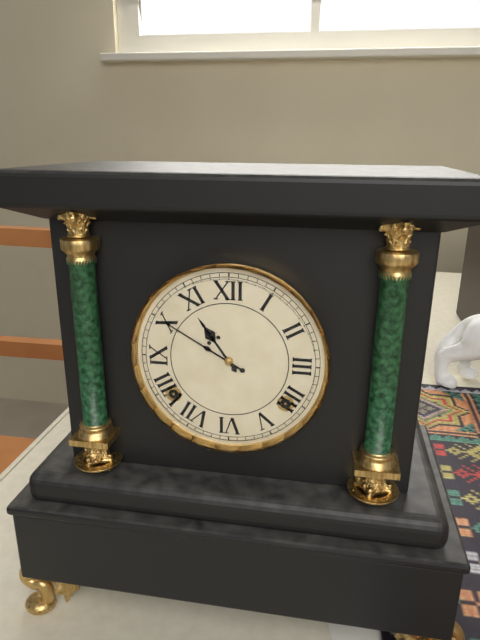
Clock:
10 h 50 min
